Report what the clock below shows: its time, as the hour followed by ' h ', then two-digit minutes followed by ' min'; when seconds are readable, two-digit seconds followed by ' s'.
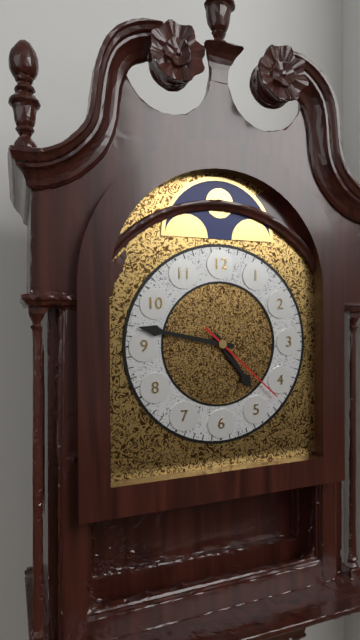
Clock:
4 h 47 min 22 s
